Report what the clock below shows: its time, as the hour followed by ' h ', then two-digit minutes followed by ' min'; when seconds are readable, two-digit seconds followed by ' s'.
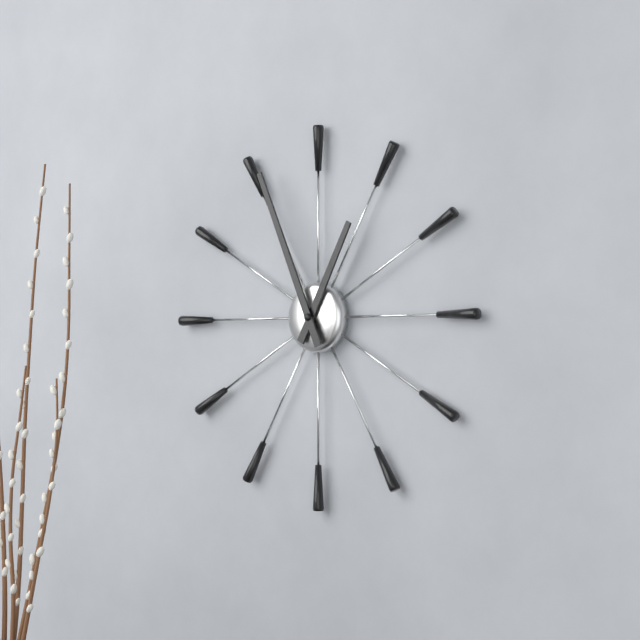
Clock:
12 h 56 min
